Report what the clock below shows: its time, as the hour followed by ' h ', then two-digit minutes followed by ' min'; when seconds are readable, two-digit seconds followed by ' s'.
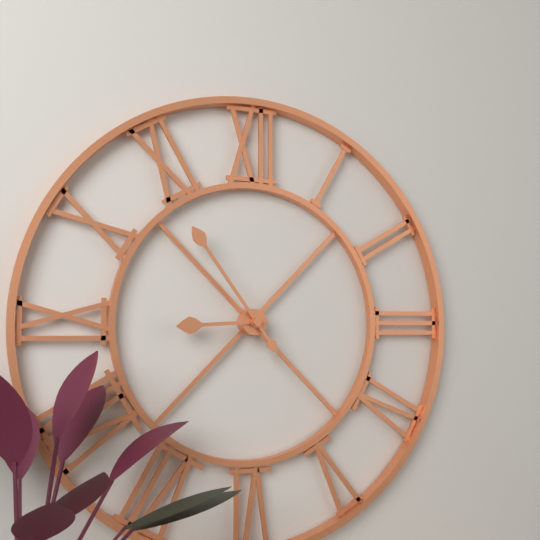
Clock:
8 h 54 min
